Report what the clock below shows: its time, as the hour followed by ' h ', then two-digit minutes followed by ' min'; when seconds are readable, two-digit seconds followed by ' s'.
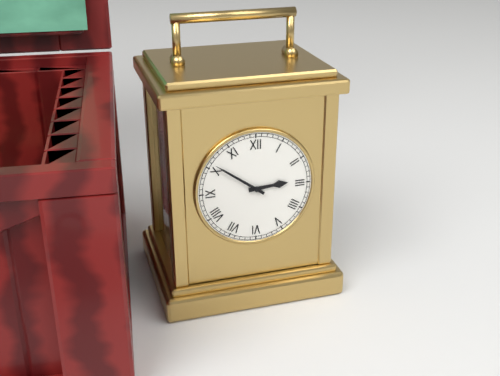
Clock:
2 h 51 min
